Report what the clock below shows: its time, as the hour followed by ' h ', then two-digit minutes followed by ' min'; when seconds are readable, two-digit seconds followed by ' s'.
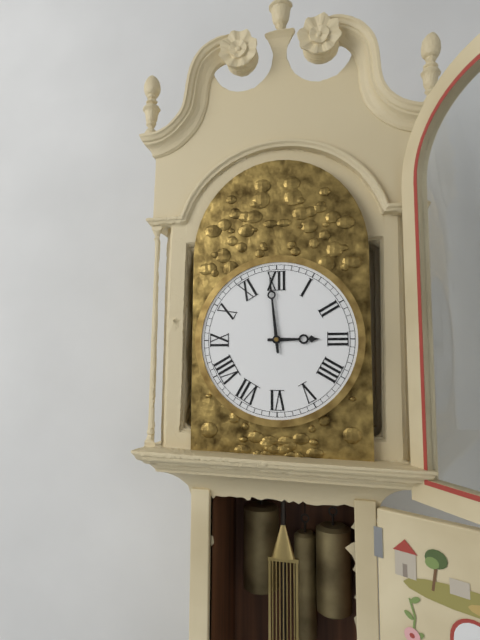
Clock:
2 h 59 min
